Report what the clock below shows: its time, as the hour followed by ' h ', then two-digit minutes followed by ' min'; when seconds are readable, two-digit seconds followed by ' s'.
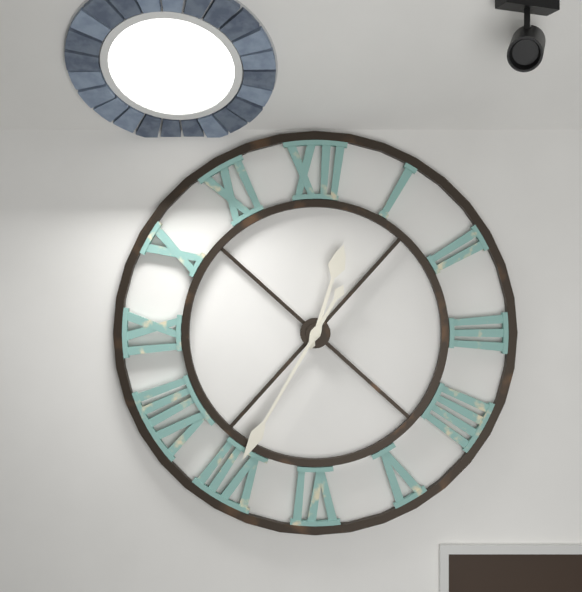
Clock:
12 h 35 min
